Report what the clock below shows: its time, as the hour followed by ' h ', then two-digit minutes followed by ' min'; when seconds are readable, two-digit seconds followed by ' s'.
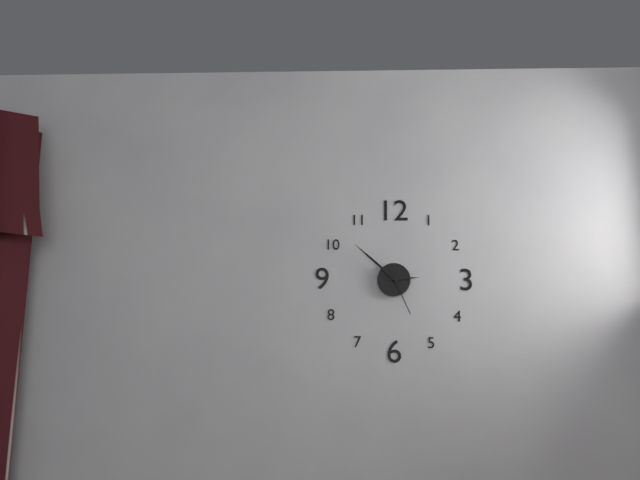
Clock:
2 h 52 min
